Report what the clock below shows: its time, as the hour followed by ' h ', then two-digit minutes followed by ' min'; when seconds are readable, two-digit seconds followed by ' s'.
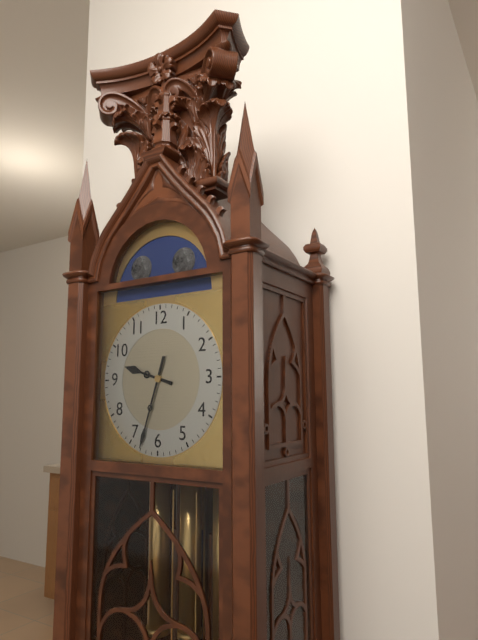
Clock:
9 h 33 min
